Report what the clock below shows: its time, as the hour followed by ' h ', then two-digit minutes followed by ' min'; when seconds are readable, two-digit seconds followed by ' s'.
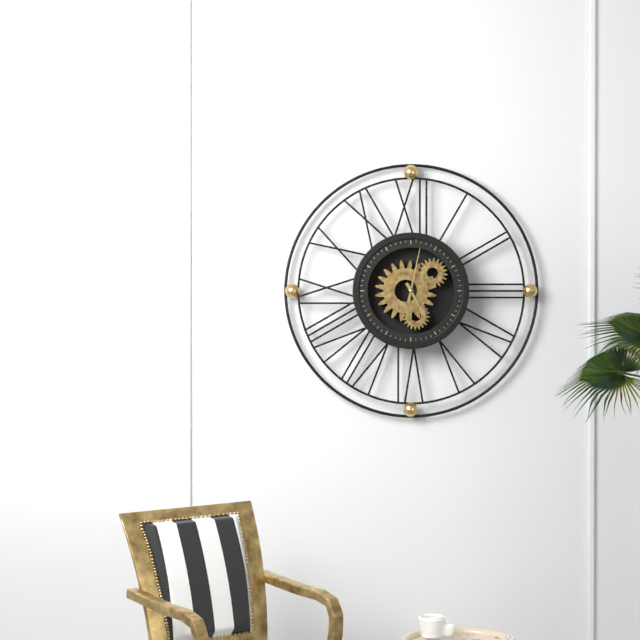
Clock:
5 h 02 min
